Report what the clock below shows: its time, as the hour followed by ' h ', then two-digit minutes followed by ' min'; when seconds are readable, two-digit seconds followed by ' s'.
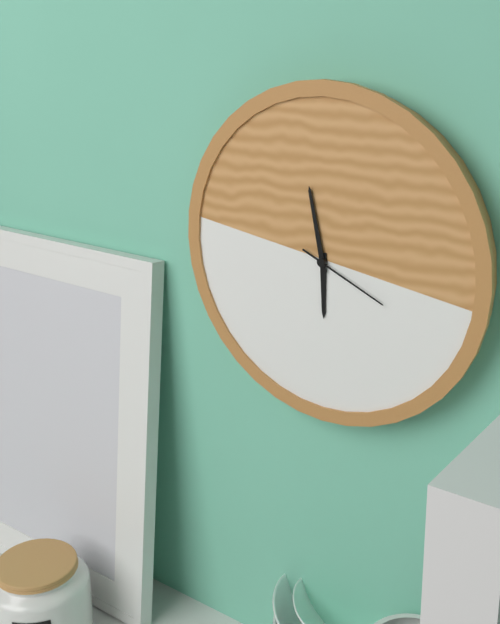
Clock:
5 h 58 min 19 s
